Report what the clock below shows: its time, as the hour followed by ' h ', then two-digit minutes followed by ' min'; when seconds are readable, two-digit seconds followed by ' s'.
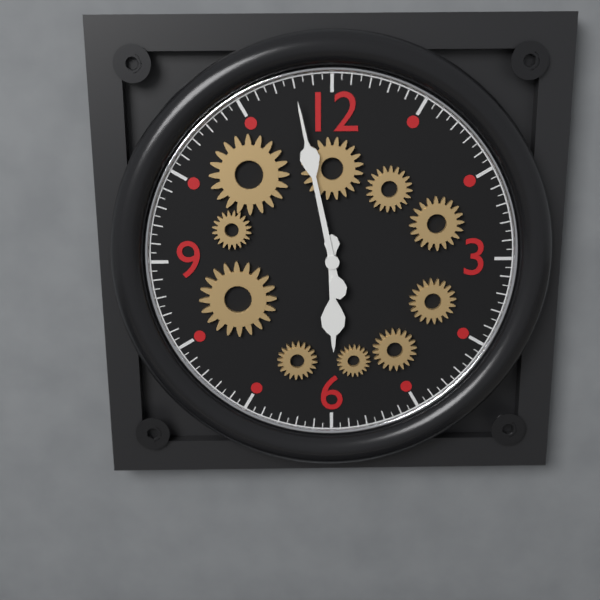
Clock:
5 h 58 min
